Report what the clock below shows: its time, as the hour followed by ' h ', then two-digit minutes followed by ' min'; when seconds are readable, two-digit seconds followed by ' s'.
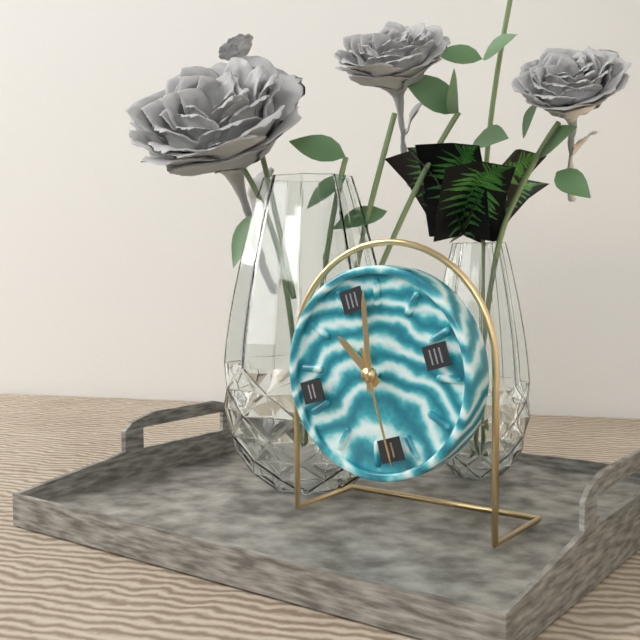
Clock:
11 h 02 min 30 s
